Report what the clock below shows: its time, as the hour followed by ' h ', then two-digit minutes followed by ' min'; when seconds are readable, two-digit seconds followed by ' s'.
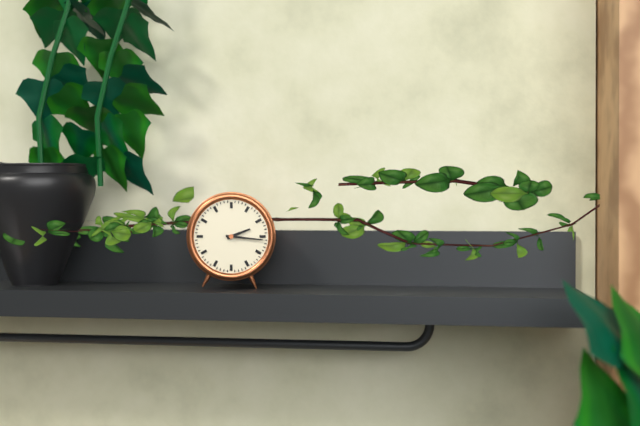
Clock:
2 h 16 min
